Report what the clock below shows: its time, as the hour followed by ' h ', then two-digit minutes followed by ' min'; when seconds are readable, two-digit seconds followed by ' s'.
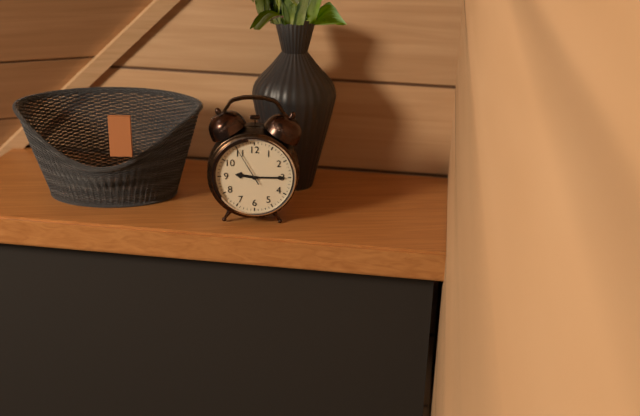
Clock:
9 h 15 min
